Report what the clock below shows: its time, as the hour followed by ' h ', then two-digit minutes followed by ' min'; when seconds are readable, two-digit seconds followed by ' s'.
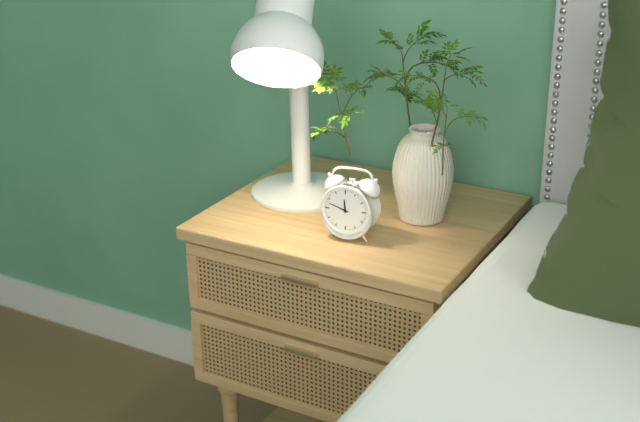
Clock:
11 h 48 min
